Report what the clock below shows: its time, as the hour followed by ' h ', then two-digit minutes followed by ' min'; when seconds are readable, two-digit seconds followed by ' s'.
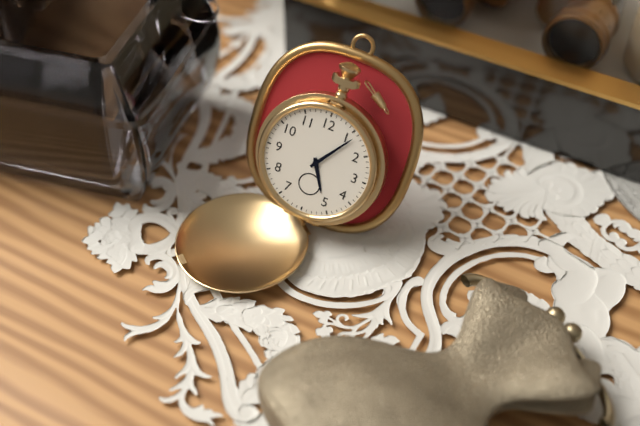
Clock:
5 h 06 min
